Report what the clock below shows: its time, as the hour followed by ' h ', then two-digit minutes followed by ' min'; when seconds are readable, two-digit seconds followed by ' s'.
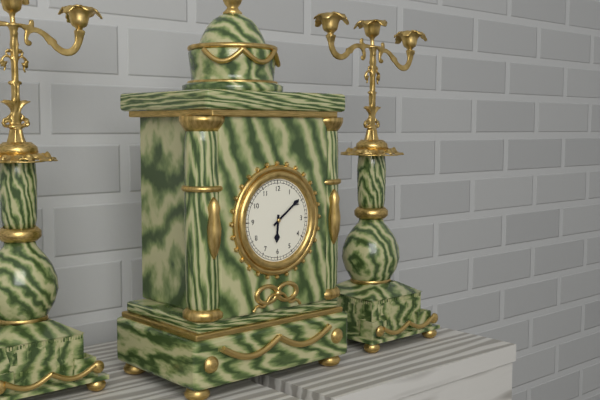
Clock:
6 h 09 min
